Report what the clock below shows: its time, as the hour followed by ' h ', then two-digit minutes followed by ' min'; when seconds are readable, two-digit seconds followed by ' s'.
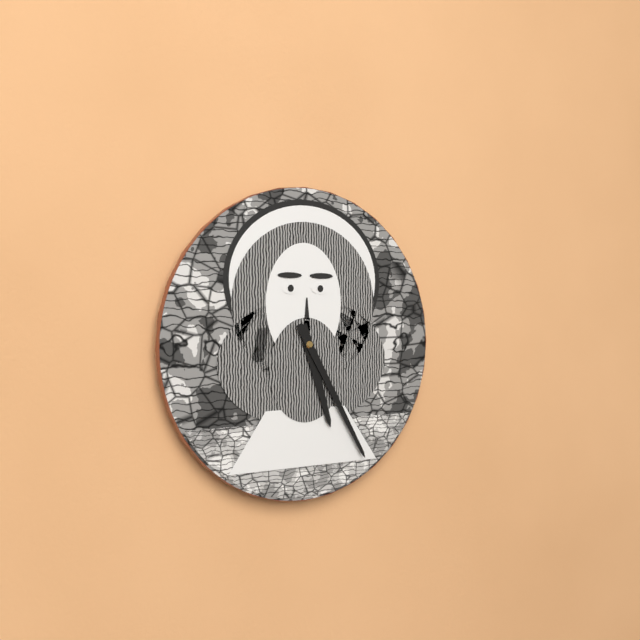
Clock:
5 h 25 min
